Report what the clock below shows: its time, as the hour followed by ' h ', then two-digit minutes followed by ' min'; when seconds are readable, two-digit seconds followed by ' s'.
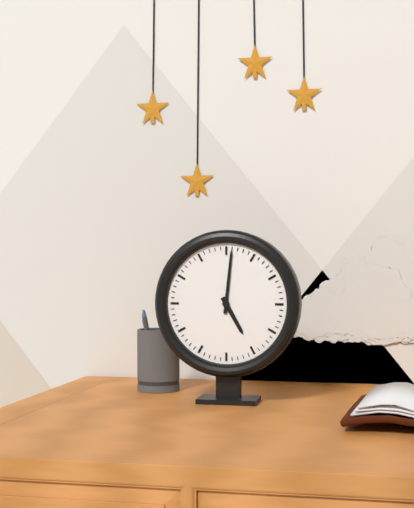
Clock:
5 h 01 min
